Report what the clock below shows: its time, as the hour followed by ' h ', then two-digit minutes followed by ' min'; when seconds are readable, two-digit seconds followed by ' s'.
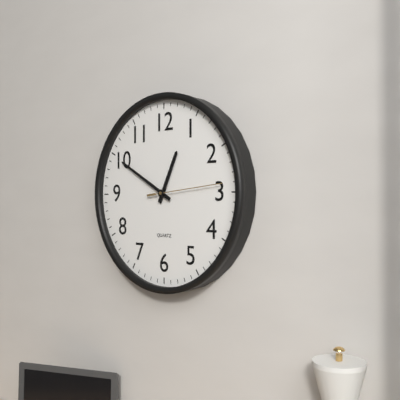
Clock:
12 h 50 min 14 s
